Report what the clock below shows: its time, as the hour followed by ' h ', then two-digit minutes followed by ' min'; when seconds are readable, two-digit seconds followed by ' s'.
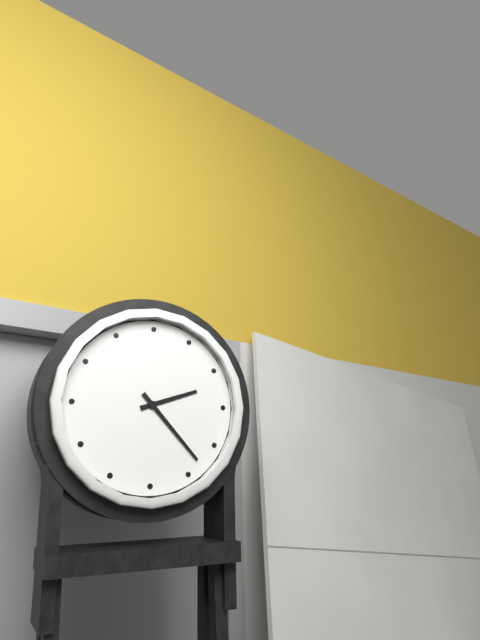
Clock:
2 h 23 min
